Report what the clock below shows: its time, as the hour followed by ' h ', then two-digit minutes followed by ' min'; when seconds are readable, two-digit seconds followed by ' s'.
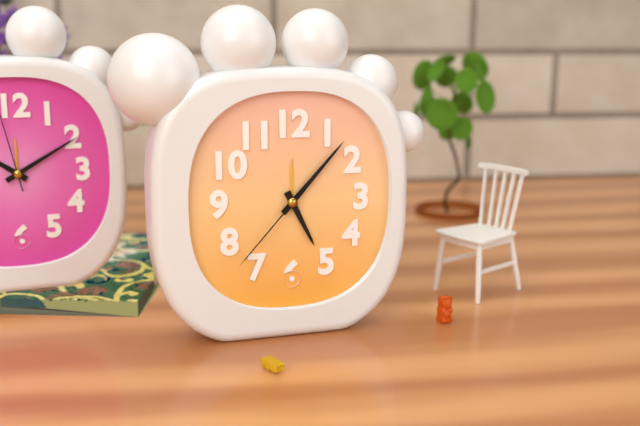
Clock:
5 h 07 min 37 s
